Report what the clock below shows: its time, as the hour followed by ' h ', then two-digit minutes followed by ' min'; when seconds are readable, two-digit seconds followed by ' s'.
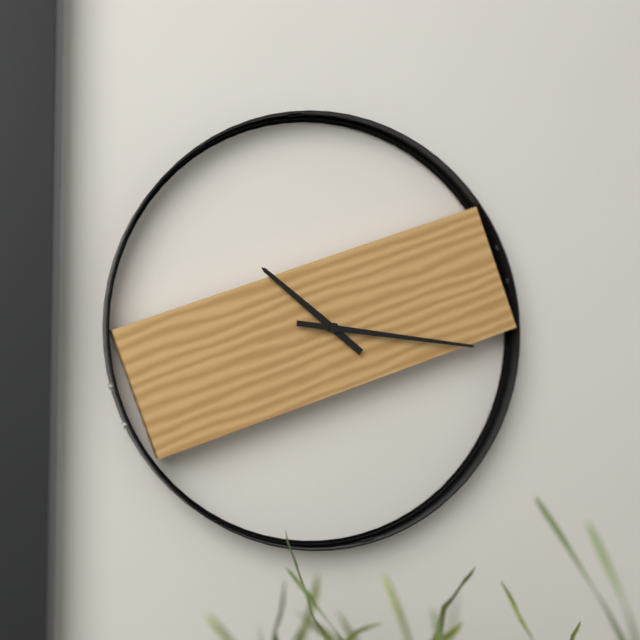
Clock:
10 h 16 min
